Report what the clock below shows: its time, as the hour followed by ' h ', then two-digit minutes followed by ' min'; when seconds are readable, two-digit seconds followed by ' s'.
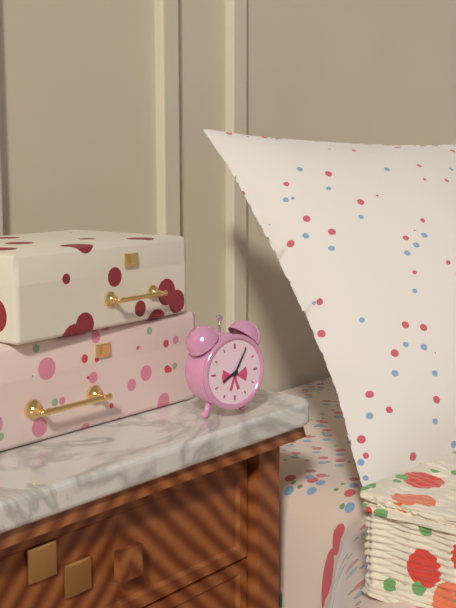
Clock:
8 h 05 min
